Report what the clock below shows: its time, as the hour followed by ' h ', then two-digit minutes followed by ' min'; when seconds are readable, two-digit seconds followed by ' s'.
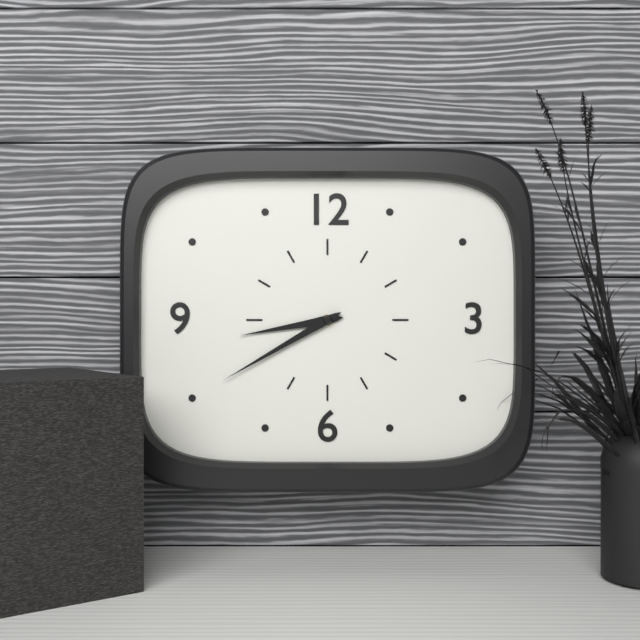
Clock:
8 h 40 min
